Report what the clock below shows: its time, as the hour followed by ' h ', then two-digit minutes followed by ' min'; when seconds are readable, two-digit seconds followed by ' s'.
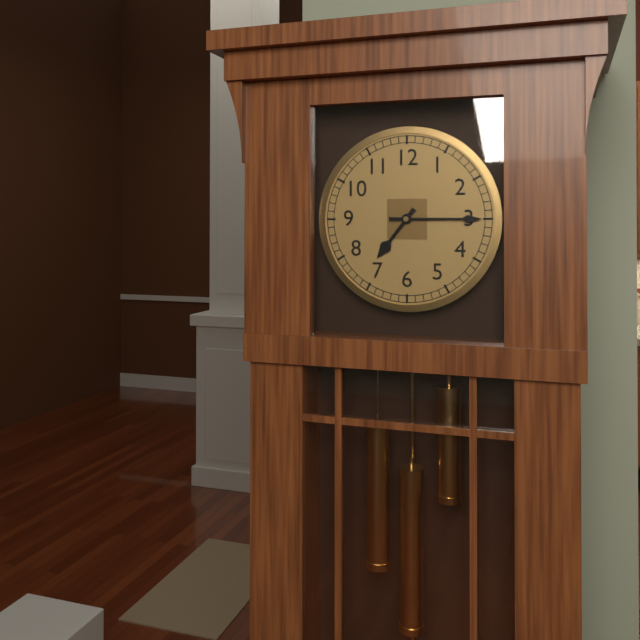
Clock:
7 h 15 min
